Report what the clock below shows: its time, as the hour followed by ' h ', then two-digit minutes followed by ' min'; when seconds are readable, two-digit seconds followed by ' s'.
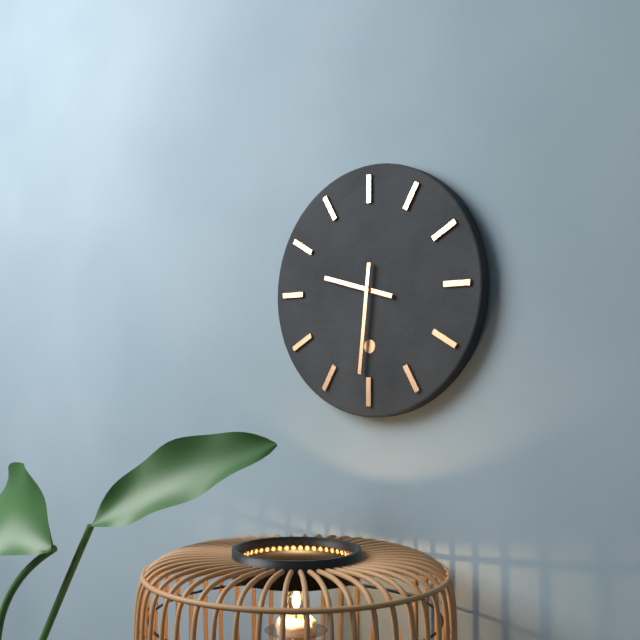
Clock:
9 h 31 min
